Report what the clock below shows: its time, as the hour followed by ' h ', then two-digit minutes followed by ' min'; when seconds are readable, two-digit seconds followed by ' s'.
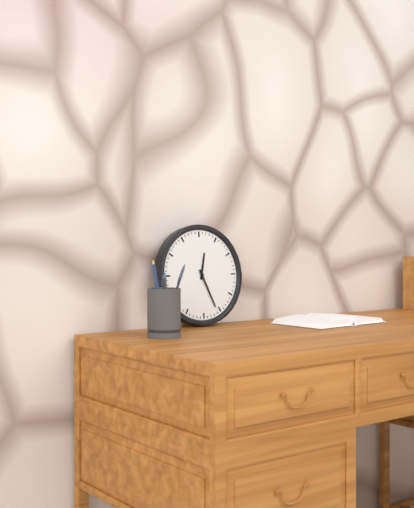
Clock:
12 h 26 min
